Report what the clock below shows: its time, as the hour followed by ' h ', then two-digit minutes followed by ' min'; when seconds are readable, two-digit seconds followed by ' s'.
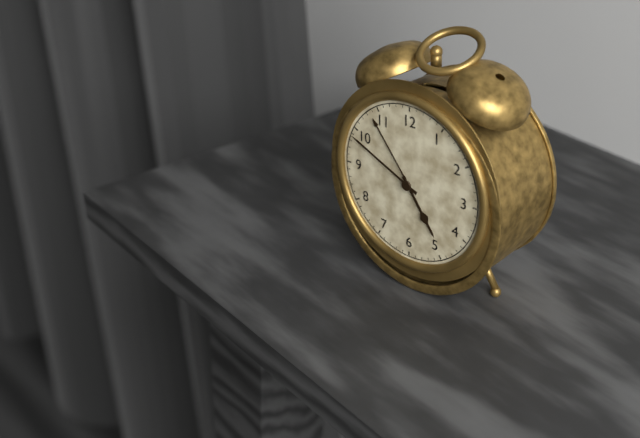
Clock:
4 h 49 min
